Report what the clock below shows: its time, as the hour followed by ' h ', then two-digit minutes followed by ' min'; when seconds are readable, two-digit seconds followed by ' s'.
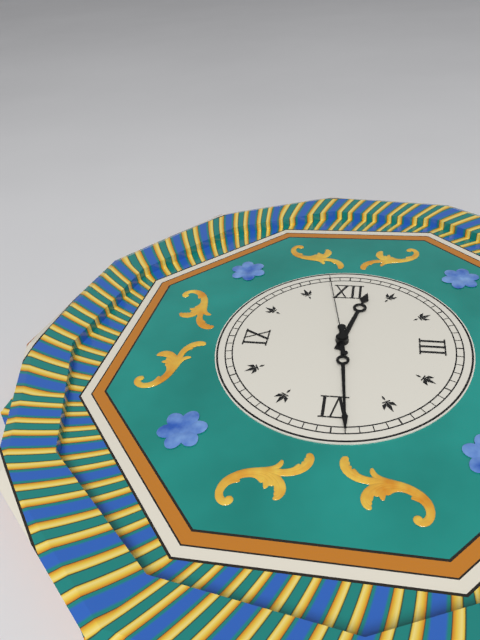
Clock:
12 h 29 min 58 s
